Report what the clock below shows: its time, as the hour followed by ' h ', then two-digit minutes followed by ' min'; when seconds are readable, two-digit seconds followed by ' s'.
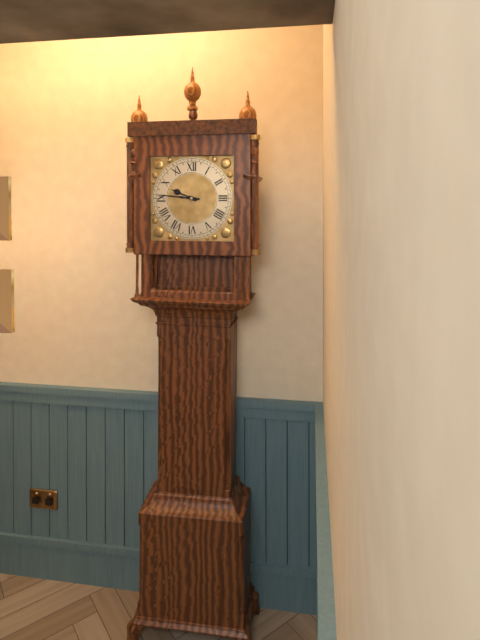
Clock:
9 h 46 min
